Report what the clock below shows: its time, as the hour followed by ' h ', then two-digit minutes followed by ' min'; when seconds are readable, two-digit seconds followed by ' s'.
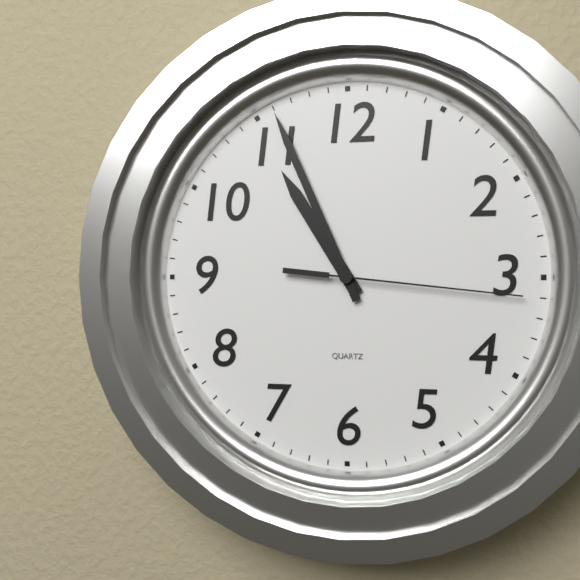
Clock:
10 h 56 min 16 s
